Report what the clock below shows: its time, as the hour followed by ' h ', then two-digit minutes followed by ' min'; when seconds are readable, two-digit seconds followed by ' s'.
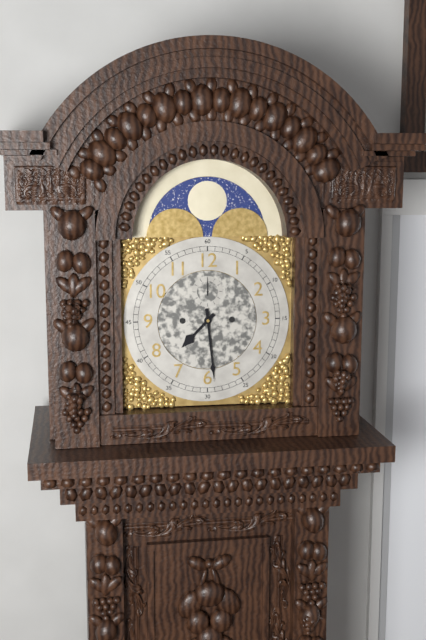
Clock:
7 h 29 min
